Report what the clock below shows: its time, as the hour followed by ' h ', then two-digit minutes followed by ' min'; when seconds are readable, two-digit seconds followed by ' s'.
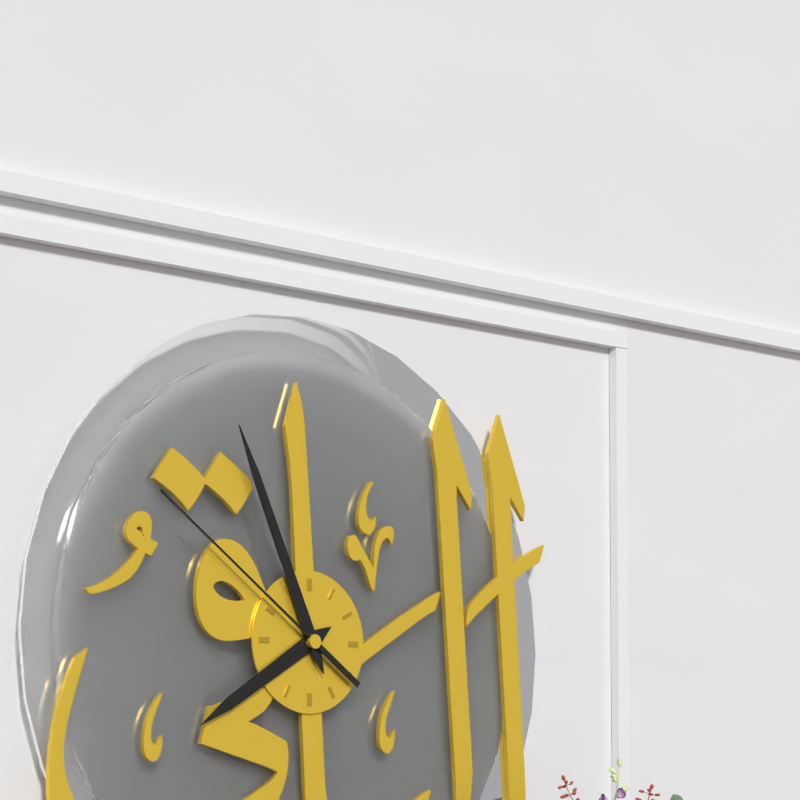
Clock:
7 h 56 min 51 s
